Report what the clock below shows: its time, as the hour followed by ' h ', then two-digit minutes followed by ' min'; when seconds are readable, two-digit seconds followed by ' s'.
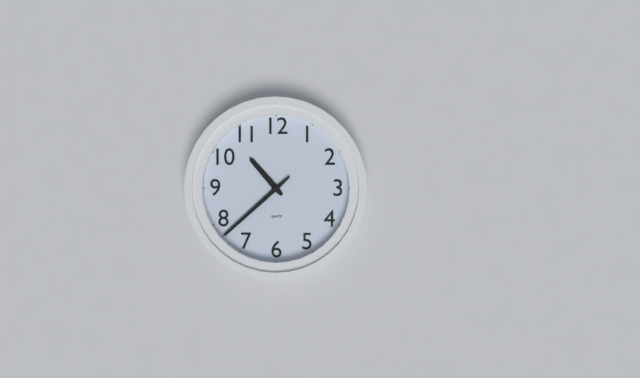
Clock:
10 h 38 min
